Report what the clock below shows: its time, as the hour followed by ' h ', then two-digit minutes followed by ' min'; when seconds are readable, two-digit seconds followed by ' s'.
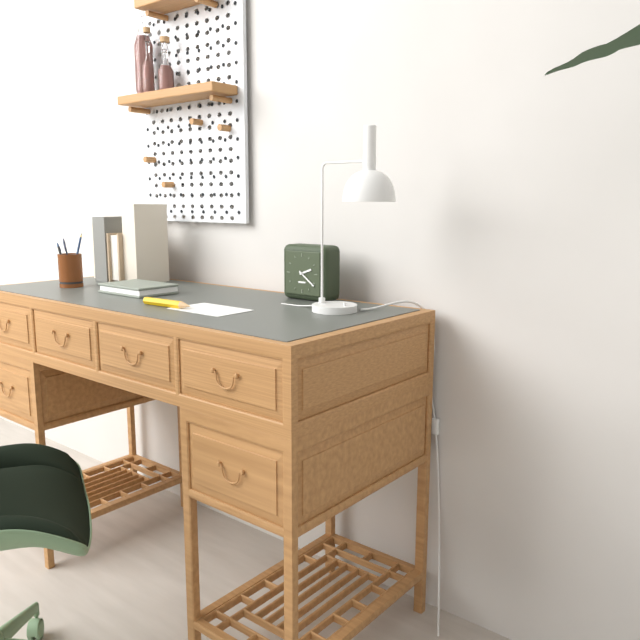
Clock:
2 h 21 min
